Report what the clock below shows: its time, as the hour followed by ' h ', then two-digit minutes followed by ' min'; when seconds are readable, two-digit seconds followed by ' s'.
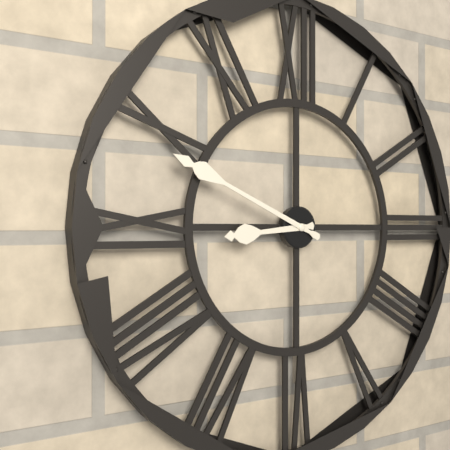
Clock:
8 h 49 min
